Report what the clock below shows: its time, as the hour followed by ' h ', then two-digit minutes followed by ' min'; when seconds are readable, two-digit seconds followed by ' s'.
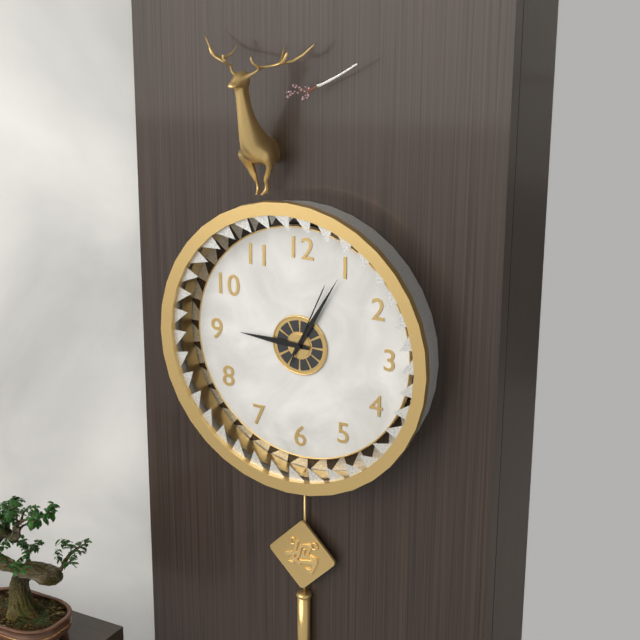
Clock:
9 h 05 min 04 s
